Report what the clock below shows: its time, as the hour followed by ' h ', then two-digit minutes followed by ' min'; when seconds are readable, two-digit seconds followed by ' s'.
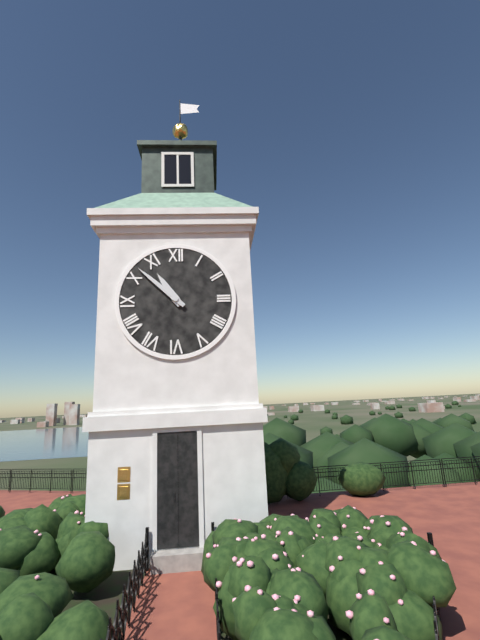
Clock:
10 h 52 min
